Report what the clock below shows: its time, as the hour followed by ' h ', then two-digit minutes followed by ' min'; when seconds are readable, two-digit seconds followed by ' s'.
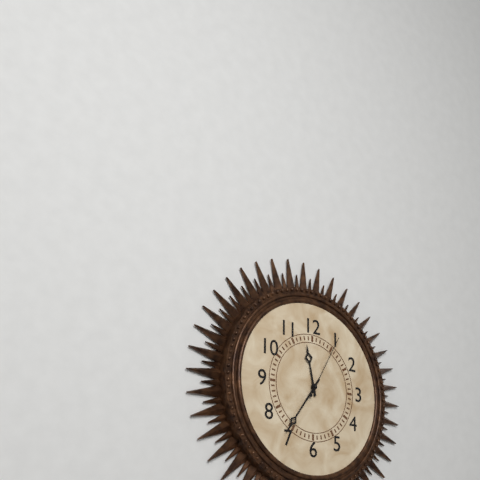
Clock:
11 h 36 min 05 s
